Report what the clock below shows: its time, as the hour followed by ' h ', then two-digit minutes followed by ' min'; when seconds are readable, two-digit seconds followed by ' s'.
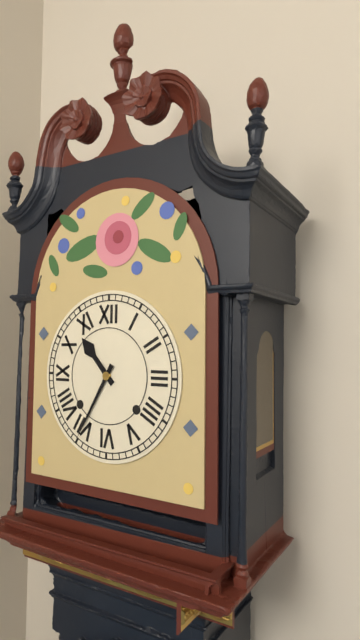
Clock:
10 h 35 min
